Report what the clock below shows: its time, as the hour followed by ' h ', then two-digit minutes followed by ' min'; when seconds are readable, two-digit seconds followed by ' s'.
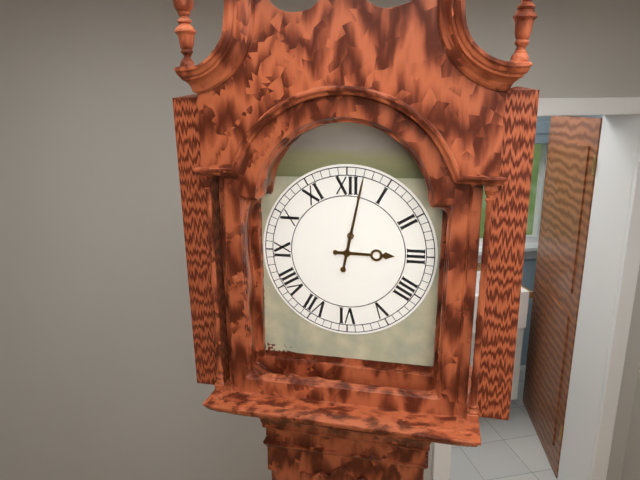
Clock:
3 h 02 min
